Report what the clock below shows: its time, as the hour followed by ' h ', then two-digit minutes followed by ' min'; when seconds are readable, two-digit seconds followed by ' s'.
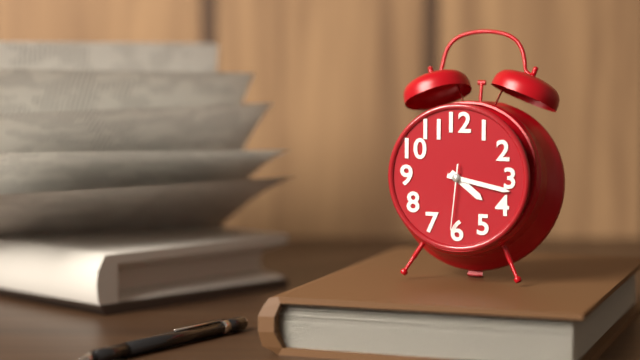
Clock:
4 h 17 min 31 s
